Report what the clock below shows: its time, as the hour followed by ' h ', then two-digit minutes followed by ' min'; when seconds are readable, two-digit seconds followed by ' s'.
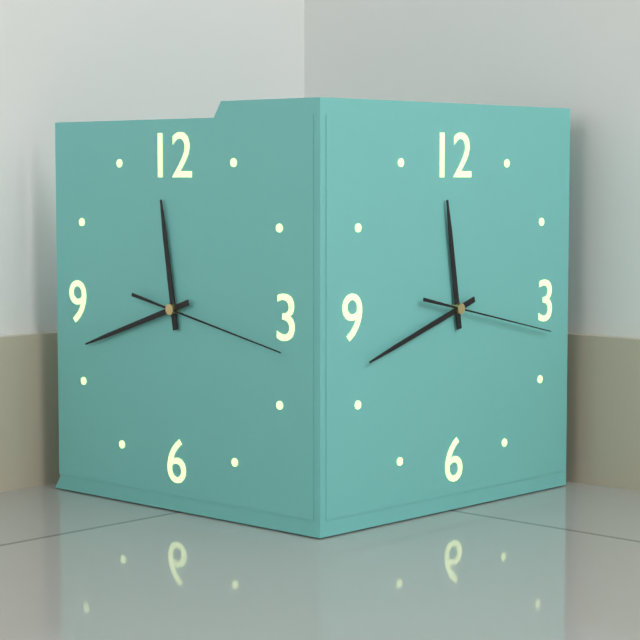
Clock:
11 h 42 min 17 s
